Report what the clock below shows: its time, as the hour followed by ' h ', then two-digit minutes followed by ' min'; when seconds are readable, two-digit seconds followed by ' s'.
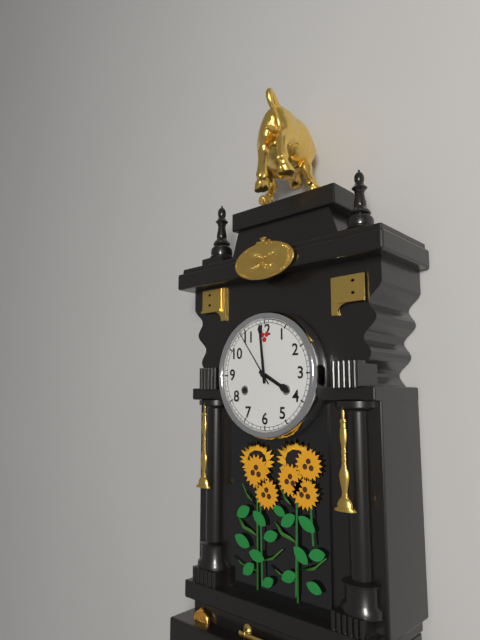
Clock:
3 h 59 min 54 s
